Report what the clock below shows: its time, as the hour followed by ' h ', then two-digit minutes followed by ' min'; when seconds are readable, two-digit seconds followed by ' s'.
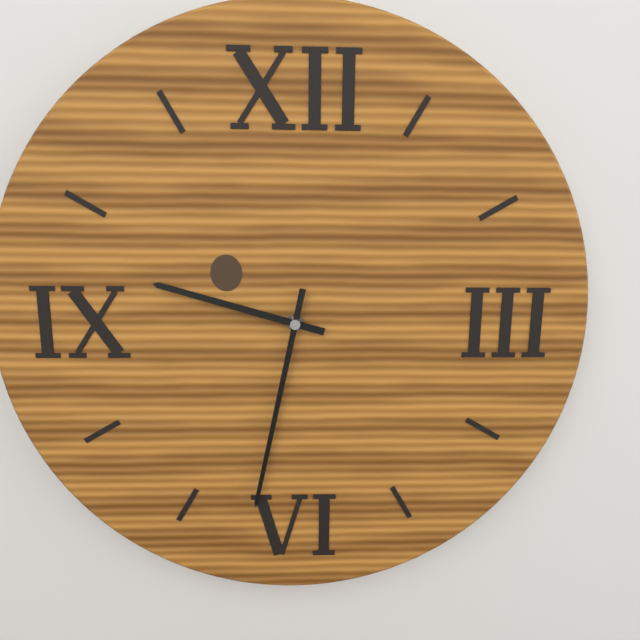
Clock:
9 h 32 min
